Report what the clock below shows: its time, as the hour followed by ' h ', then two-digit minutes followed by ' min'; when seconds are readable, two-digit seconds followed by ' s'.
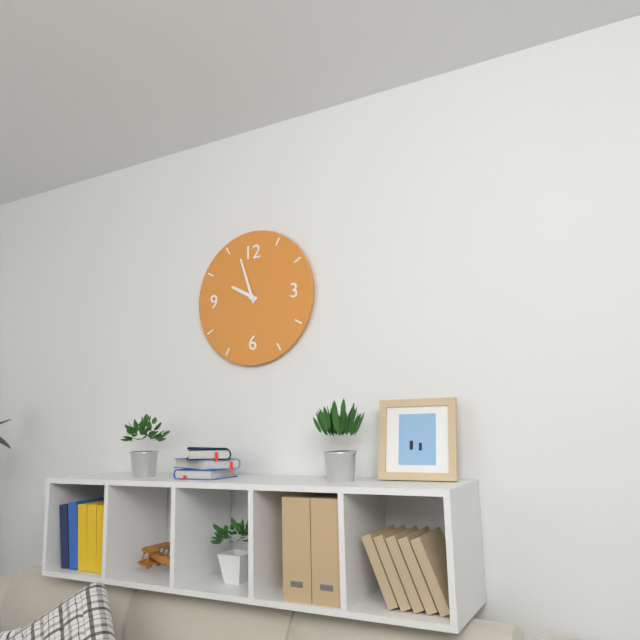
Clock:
9 h 57 min
